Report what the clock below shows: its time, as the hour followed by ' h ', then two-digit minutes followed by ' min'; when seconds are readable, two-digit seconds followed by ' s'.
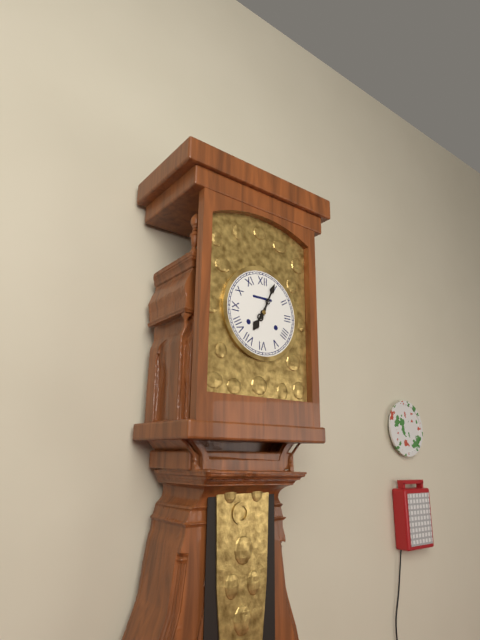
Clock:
7 h 04 min
